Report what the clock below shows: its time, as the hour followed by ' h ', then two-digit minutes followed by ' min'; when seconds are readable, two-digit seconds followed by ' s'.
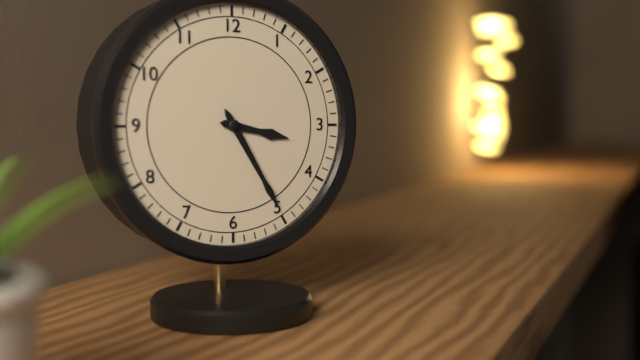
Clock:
3 h 25 min
